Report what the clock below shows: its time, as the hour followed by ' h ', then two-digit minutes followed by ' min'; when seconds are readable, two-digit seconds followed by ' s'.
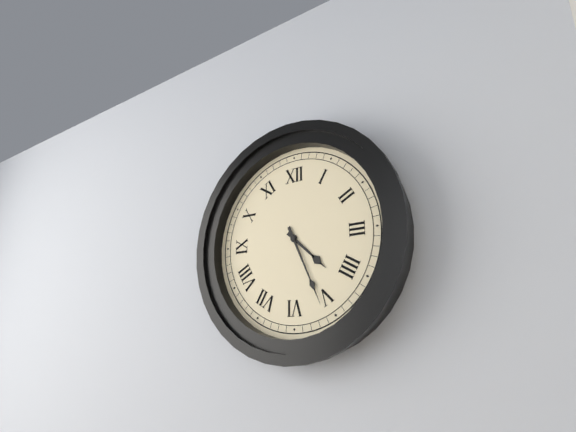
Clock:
4 h 26 min
